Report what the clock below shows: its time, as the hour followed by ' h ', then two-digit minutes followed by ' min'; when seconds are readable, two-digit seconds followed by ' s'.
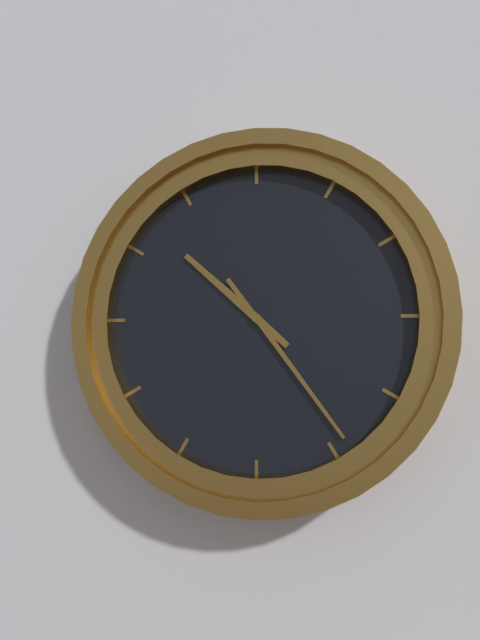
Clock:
10 h 24 min
